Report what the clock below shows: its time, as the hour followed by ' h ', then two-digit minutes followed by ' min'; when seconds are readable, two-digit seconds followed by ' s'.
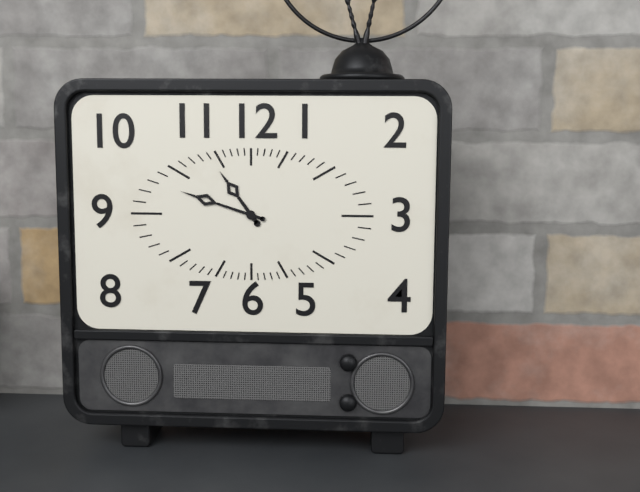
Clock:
10 h 48 min
